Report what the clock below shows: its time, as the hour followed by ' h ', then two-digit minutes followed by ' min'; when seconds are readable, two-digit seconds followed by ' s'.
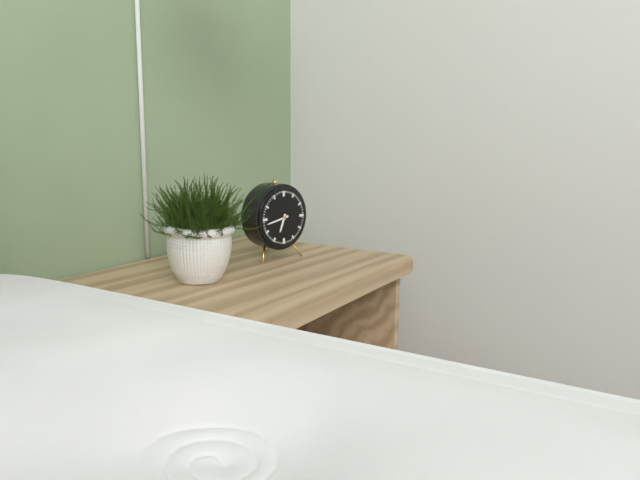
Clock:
6 h 43 min
